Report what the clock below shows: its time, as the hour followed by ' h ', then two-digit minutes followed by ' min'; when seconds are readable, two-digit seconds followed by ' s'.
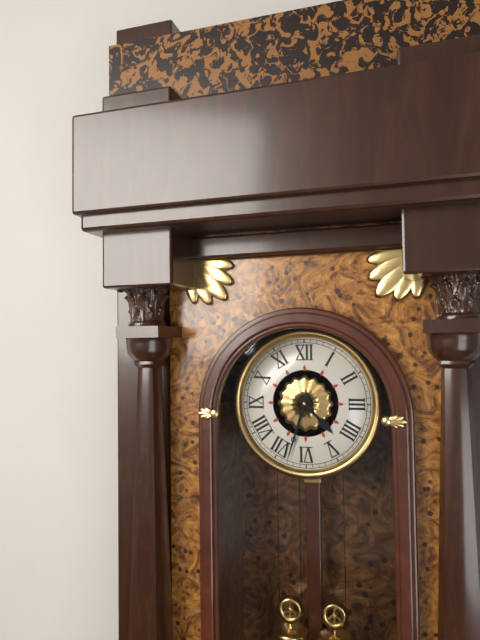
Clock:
4 h 33 min
